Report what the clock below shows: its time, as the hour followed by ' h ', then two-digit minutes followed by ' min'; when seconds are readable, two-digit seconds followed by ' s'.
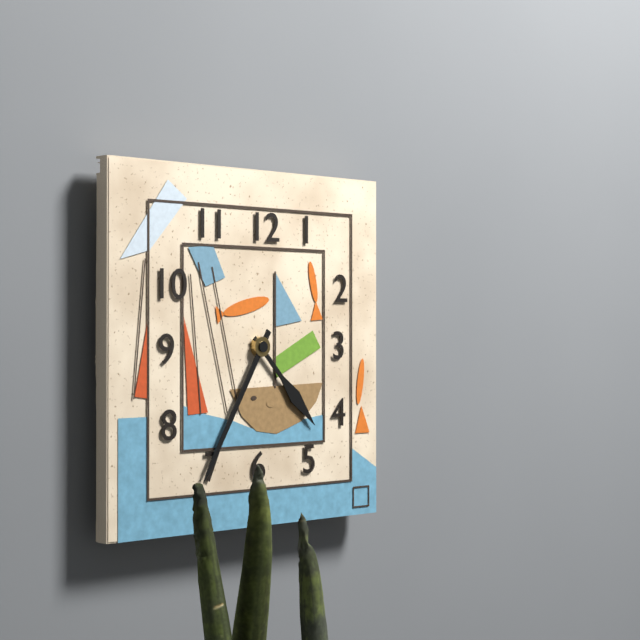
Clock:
4 h 35 min
